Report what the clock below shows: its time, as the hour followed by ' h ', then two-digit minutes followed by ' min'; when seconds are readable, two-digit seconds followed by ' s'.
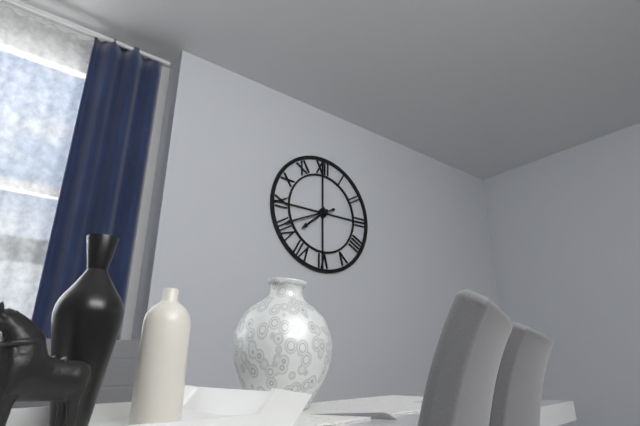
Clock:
7 h 41 min
